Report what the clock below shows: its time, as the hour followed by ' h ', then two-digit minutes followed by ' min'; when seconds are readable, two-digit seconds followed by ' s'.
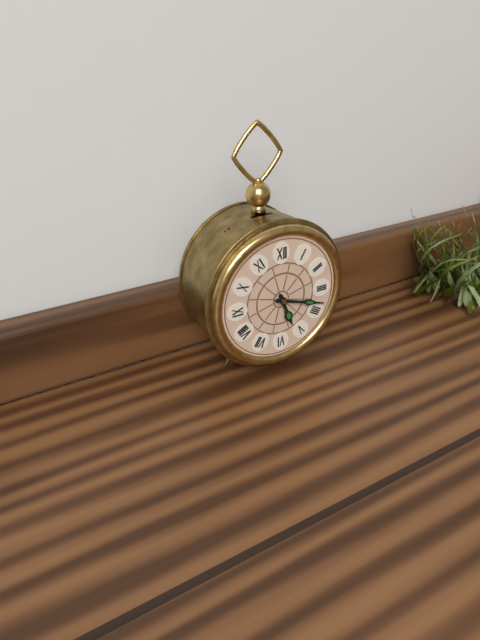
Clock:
5 h 18 min
